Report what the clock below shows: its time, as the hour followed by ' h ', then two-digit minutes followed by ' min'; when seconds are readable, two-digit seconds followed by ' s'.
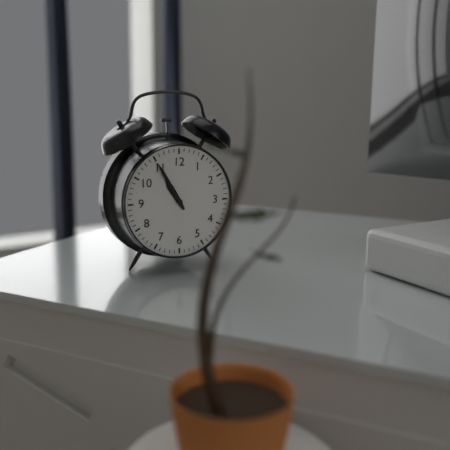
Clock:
10 h 55 min
